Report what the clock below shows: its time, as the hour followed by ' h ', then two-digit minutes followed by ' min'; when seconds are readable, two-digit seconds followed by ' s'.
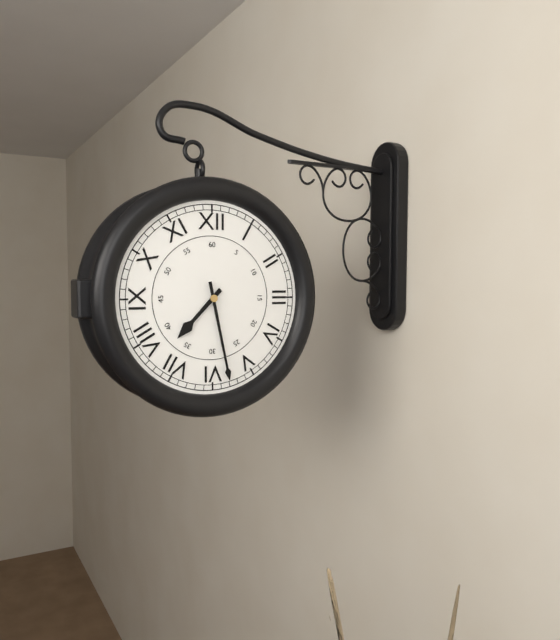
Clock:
7 h 28 min
